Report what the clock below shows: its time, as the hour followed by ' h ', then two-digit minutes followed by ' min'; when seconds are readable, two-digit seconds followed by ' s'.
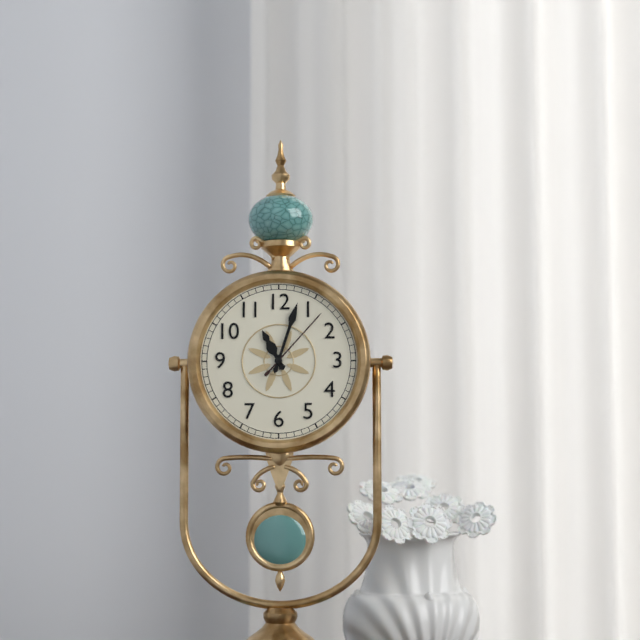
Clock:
11 h 03 min 07 s
